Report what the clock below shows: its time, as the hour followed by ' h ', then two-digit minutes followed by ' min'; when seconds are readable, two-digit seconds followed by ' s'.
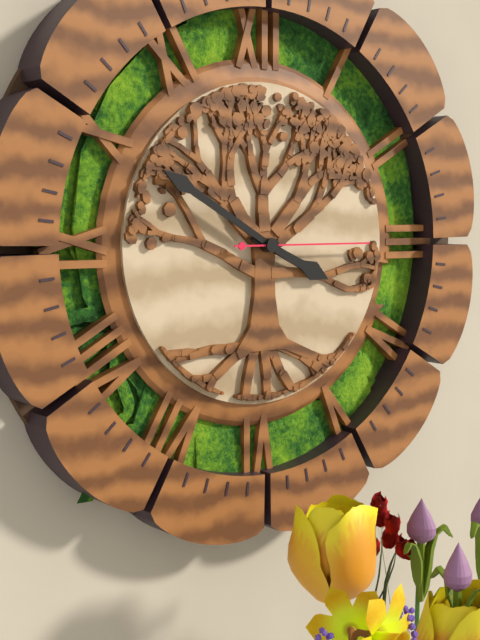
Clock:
3 h 50 min 15 s
